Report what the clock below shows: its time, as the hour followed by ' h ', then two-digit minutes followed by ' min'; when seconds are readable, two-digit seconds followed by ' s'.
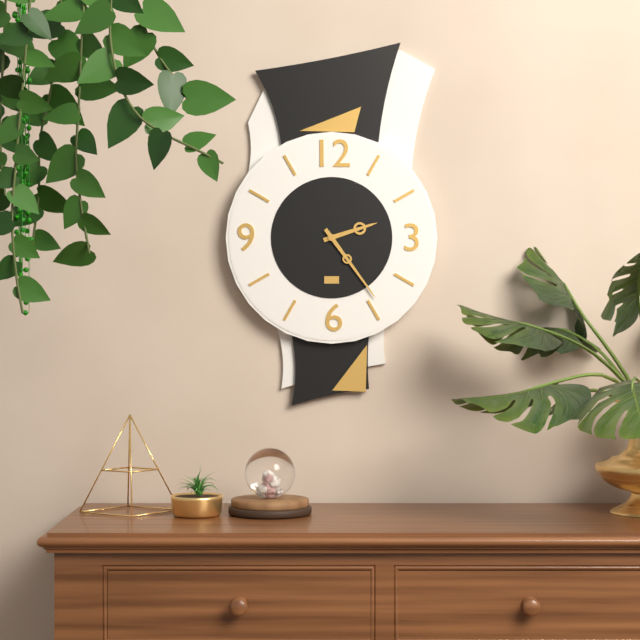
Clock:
2 h 24 min
